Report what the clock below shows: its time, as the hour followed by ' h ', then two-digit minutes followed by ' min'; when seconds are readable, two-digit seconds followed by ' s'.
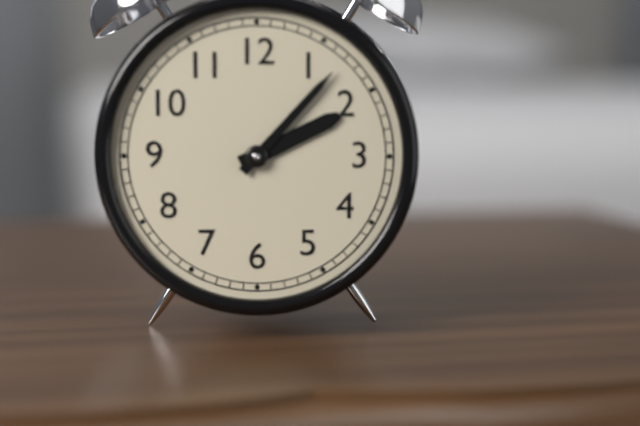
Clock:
2 h 07 min
